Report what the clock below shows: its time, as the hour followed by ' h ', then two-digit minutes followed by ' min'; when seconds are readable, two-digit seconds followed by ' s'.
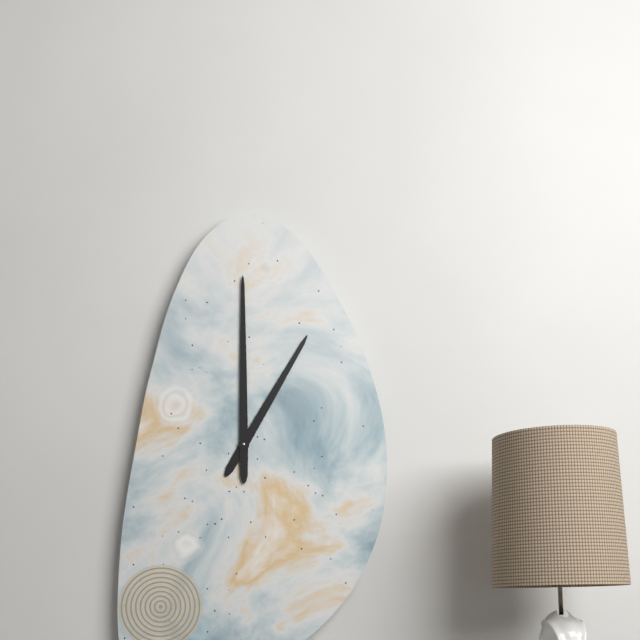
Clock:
1 h 00 min
